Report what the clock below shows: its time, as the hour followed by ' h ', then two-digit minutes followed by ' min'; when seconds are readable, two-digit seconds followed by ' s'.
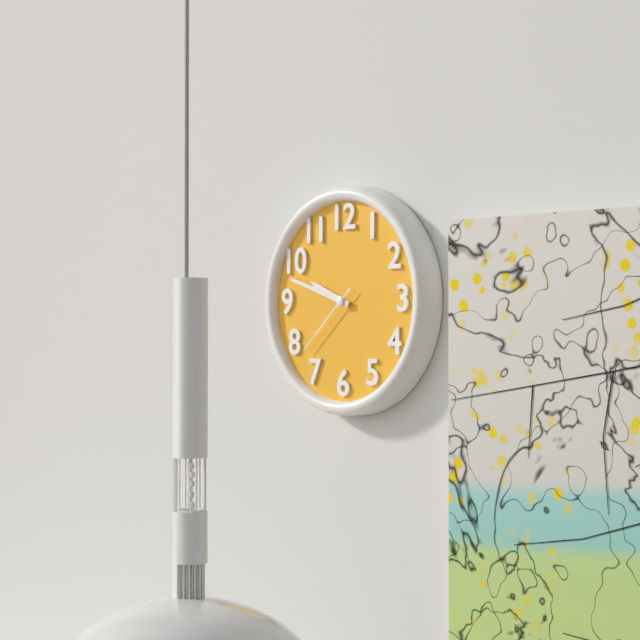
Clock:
9 h 48 min 38 s
